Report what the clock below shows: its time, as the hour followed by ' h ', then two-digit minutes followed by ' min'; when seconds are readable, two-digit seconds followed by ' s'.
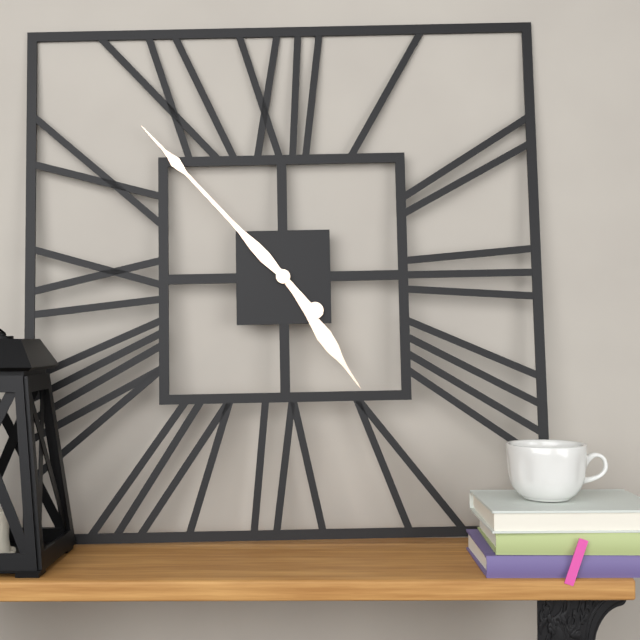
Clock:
4 h 53 min
